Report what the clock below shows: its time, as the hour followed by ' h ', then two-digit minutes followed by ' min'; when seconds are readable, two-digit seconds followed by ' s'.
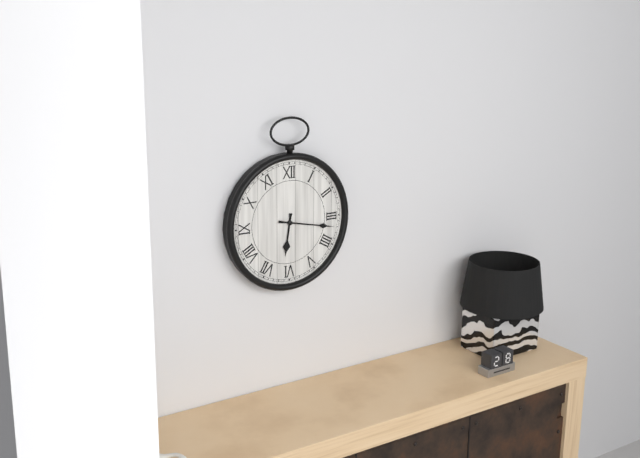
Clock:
6 h 17 min
